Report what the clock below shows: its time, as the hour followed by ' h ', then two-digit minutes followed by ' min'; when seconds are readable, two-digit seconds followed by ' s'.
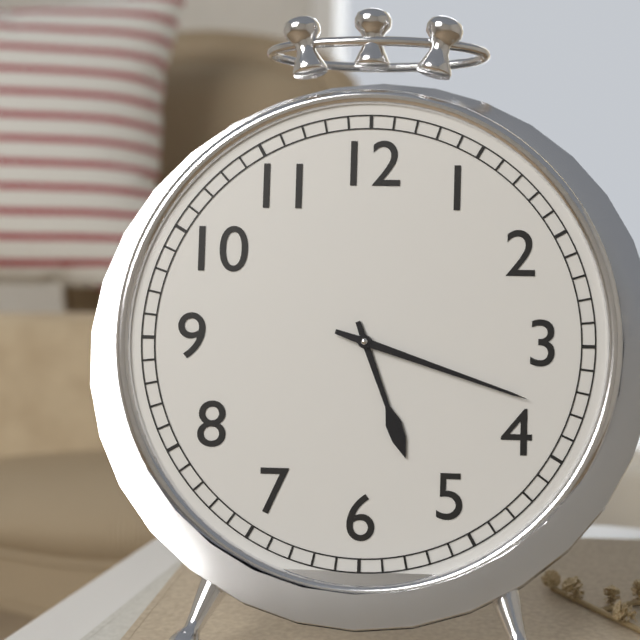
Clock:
5 h 18 min
